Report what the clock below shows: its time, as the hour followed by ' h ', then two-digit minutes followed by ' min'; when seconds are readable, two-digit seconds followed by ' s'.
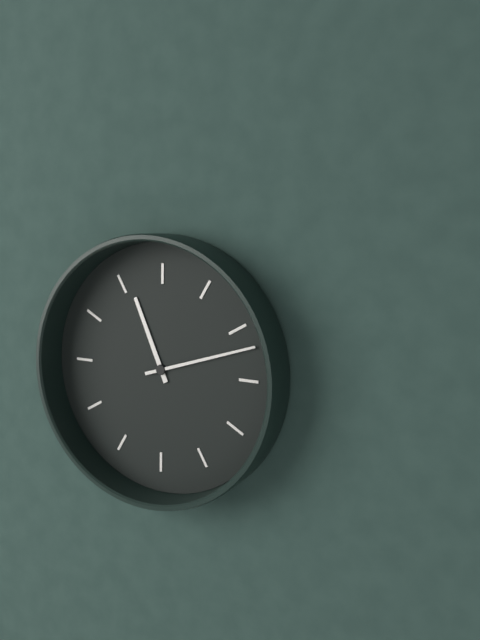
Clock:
11 h 12 min
